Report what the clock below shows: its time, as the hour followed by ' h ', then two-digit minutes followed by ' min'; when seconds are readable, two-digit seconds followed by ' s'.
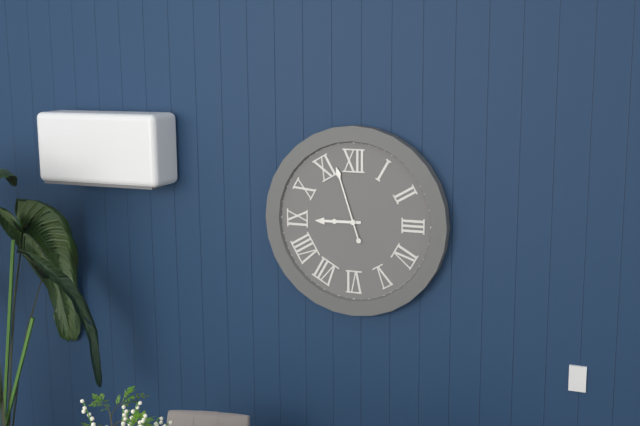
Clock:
8 h 57 min
